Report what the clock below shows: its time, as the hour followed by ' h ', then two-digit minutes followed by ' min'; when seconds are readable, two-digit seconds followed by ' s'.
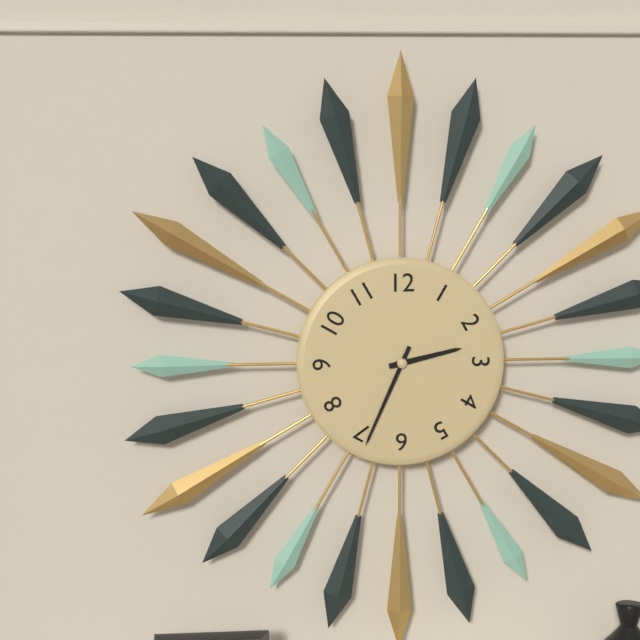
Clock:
2 h 34 min
